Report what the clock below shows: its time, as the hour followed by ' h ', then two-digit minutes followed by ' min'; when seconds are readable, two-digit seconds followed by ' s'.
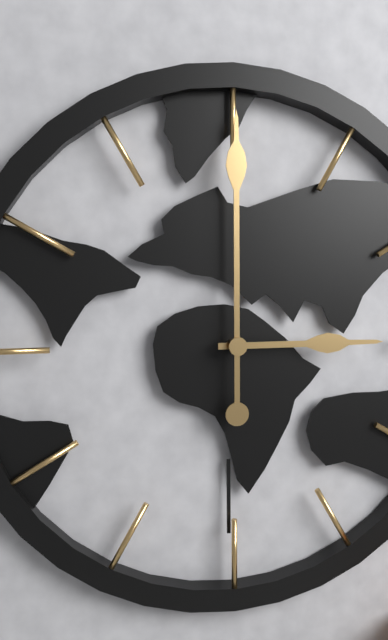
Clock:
3 h 00 min
